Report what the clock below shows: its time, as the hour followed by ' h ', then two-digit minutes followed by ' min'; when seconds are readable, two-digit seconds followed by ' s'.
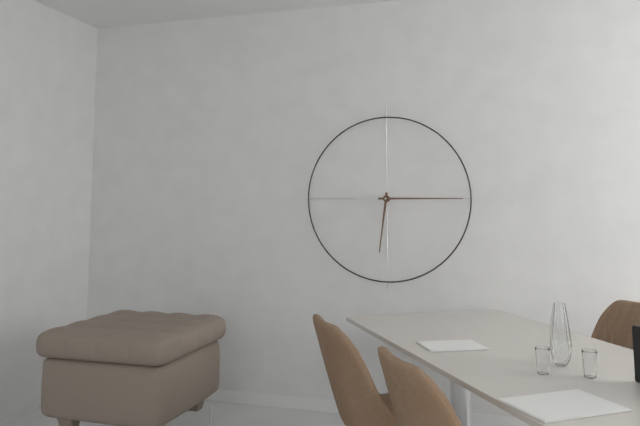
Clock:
6 h 15 min
